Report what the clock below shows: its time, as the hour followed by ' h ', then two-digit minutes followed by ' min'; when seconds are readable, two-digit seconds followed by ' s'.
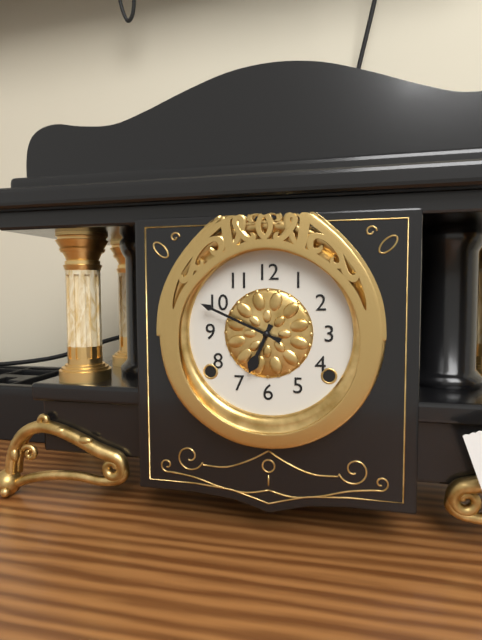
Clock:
6 h 49 min
